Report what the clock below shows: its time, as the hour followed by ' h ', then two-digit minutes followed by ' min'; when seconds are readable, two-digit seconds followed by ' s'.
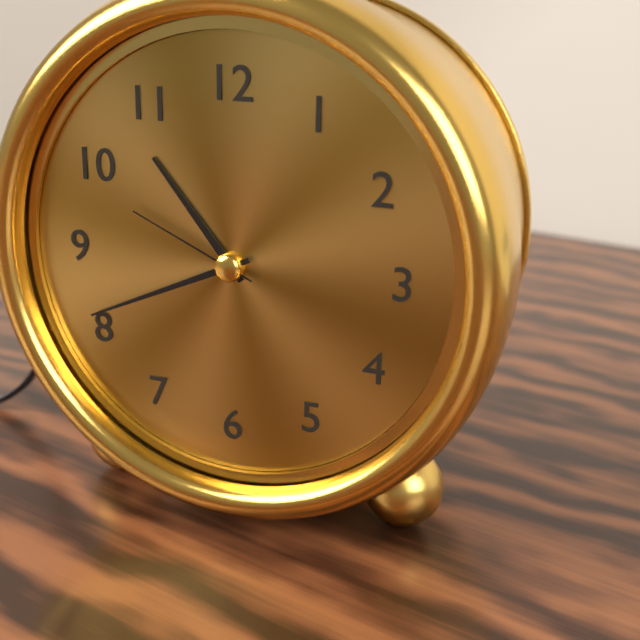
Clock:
10 h 41 min 49 s
